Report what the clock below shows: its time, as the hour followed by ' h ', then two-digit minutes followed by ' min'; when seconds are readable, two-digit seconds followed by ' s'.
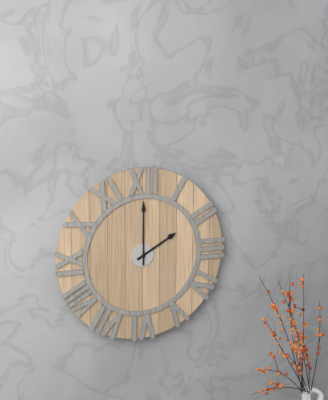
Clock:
2 h 00 min
